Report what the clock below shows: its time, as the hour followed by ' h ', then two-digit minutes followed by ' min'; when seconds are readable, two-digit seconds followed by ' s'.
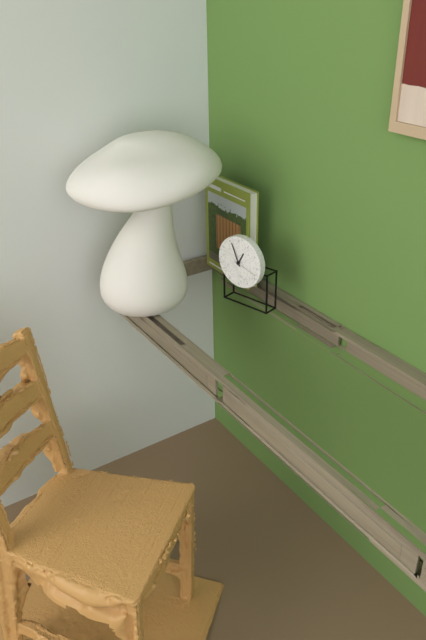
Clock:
12 h 56 min
